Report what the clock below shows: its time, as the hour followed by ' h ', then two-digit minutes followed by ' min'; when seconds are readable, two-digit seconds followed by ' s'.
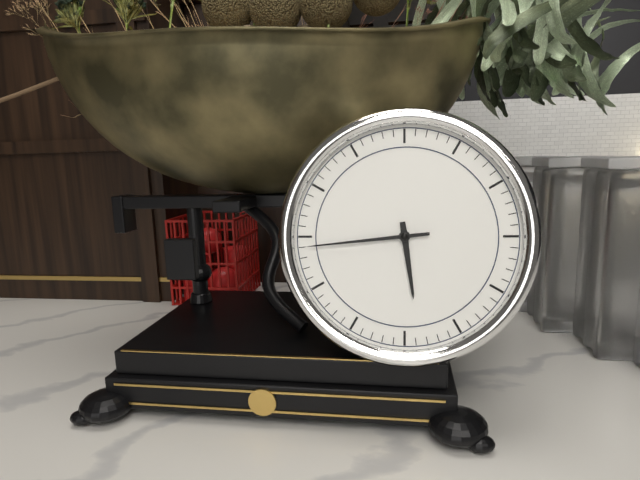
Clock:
5 h 44 min
